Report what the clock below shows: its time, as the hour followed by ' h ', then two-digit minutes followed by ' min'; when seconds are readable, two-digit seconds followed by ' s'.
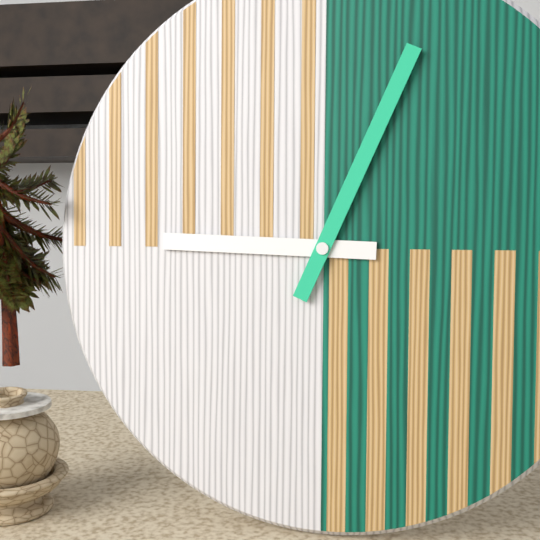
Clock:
9 h 04 min
